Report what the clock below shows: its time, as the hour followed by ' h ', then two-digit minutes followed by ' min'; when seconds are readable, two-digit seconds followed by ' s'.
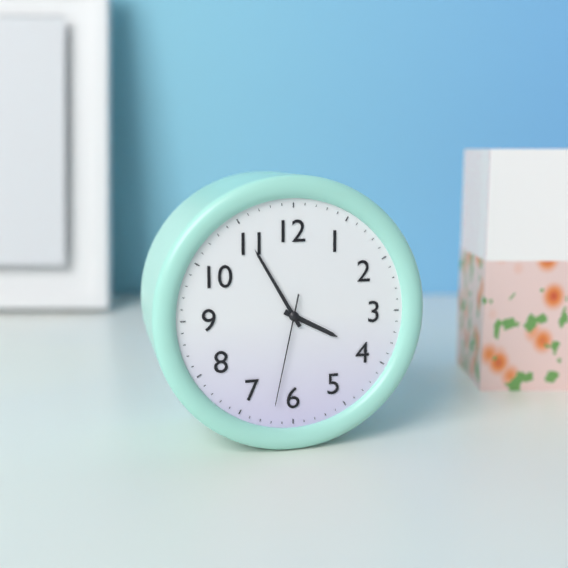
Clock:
3 h 55 min 32 s
